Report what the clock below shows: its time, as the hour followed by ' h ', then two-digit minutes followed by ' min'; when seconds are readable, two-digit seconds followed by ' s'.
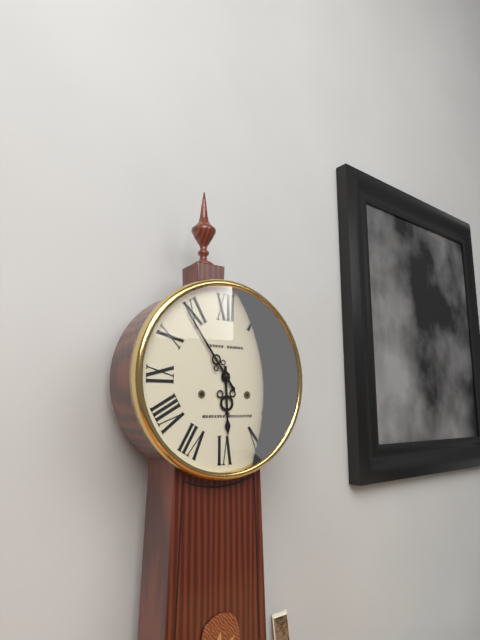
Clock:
5 h 54 min
